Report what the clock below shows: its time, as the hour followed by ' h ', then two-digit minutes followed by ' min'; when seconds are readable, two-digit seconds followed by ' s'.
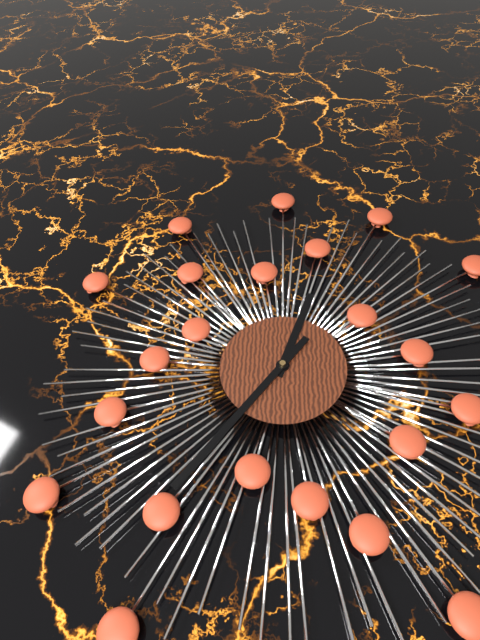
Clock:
12 h 36 min
